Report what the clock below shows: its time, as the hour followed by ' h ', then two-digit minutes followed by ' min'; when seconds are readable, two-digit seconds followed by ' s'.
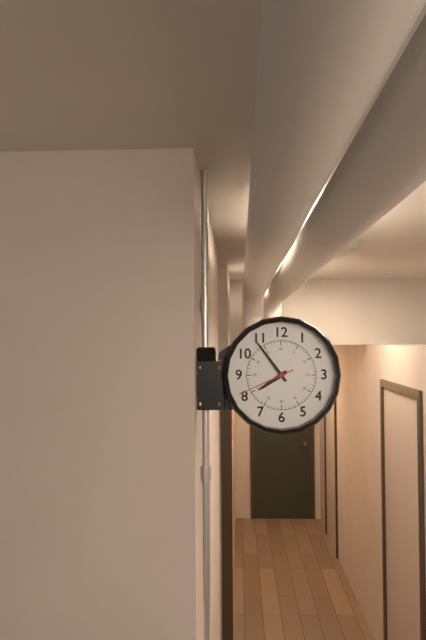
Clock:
7 h 54 min 41 s
